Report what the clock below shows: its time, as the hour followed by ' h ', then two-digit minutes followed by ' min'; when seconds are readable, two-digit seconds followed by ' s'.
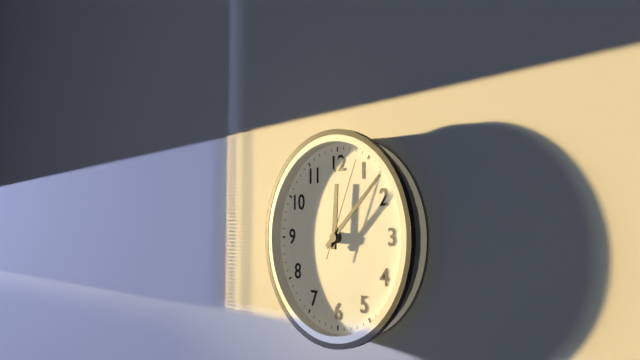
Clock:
12 h 08 min 04 s
